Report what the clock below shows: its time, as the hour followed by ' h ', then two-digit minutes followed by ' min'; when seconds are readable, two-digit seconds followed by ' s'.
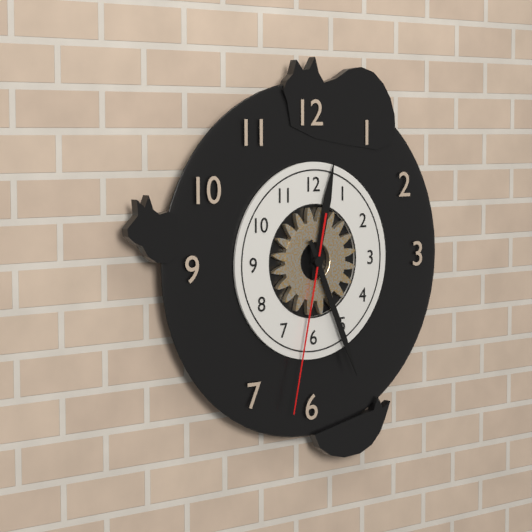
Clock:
12 h 26 min 32 s
